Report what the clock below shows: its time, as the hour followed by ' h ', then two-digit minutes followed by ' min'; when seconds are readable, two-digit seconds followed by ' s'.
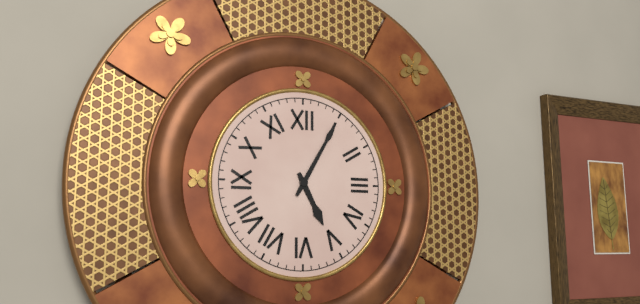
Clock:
5 h 05 min
